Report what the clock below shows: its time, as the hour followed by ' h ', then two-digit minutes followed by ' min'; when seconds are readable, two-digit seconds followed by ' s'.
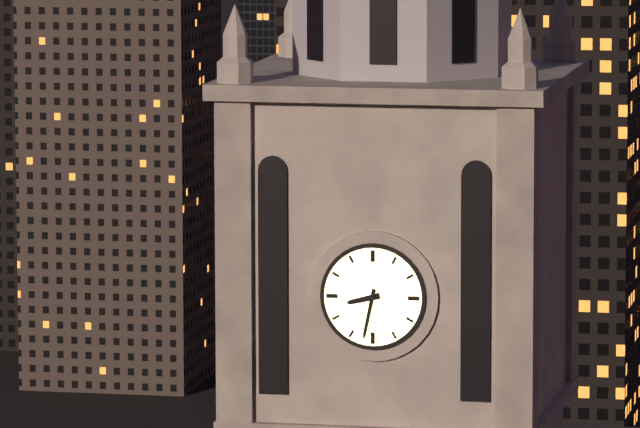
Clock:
8 h 32 min
